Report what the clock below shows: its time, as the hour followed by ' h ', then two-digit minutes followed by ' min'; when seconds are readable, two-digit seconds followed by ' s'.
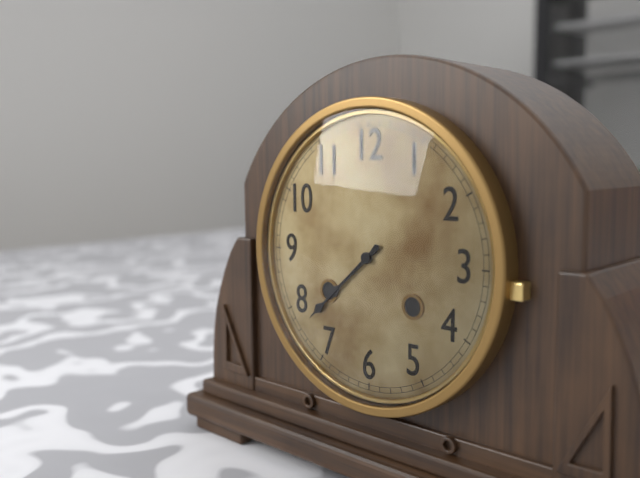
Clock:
7 h 38 min
